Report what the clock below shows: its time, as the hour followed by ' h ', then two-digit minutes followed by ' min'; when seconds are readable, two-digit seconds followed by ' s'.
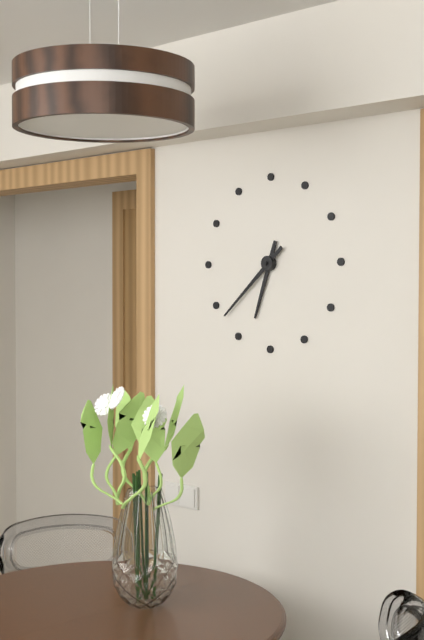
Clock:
6 h 38 min
